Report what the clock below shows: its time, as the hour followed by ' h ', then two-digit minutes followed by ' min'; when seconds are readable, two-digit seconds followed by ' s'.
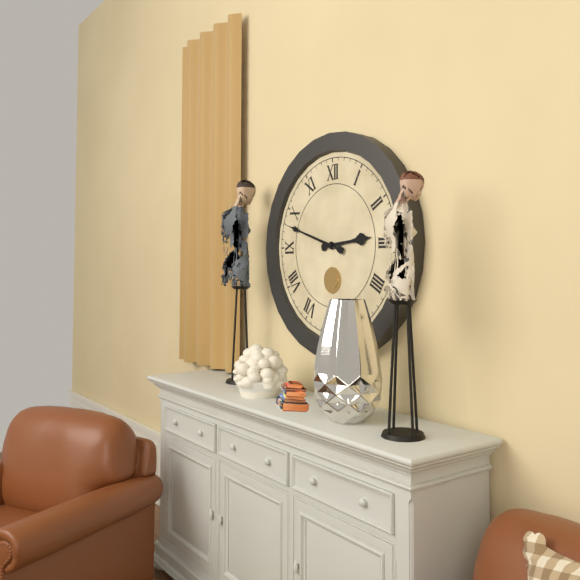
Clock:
2 h 48 min
